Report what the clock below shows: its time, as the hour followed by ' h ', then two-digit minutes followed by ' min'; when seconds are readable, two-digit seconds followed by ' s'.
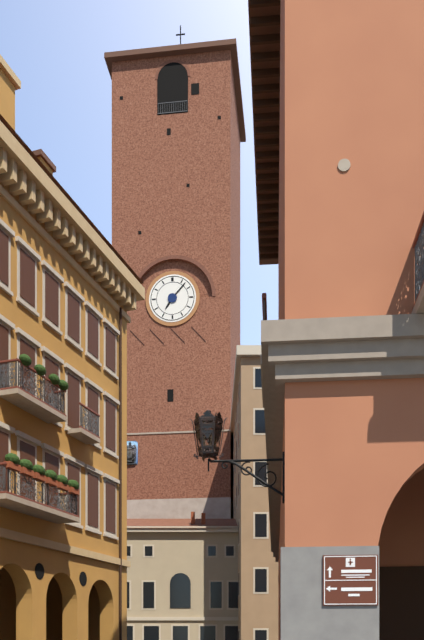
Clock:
7 h 07 min
